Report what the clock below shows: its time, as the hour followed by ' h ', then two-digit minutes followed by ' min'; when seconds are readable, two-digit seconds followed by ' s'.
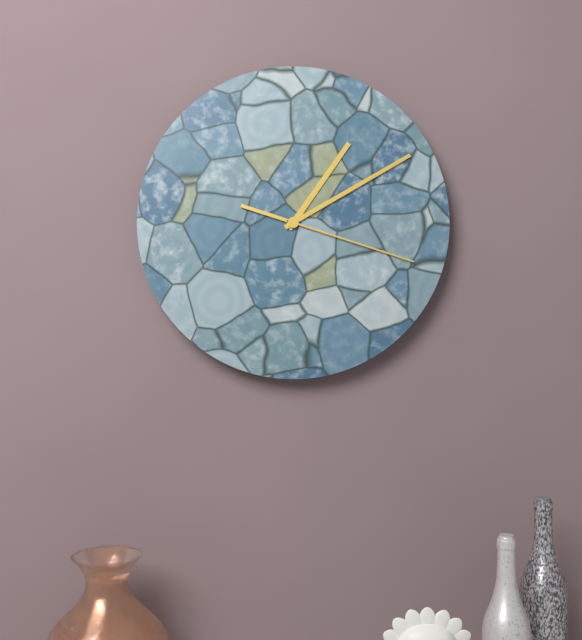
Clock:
1 h 10 min 18 s
